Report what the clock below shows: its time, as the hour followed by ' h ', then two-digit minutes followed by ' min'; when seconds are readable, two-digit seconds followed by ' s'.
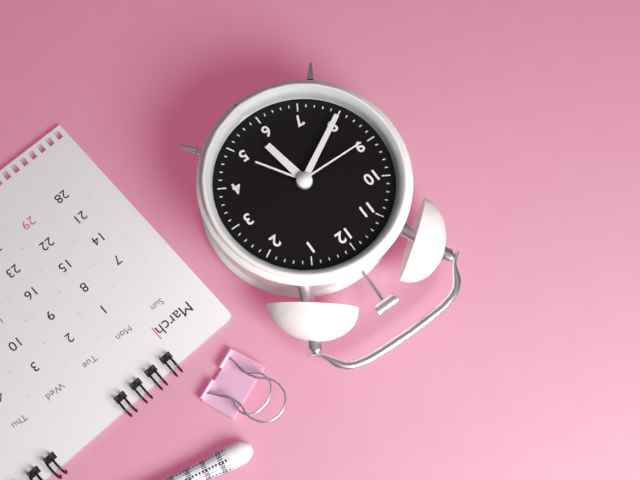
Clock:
5 h 40 min 45 s
